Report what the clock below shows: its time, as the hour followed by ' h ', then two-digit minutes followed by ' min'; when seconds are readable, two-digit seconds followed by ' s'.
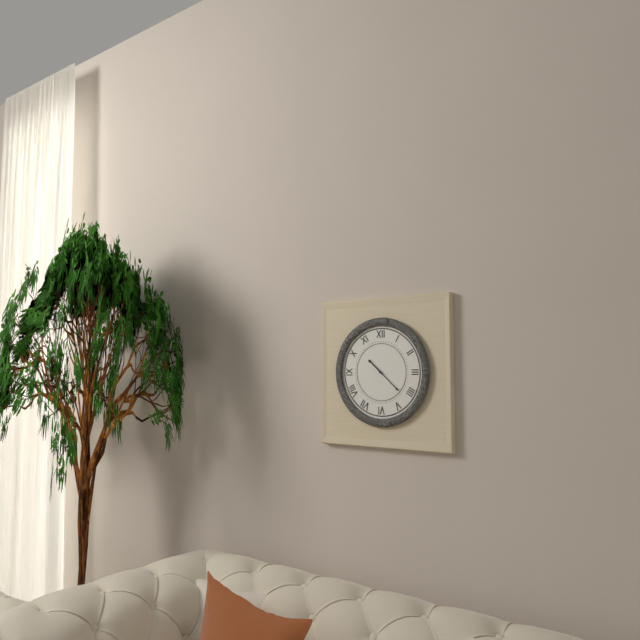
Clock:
10 h 22 min
